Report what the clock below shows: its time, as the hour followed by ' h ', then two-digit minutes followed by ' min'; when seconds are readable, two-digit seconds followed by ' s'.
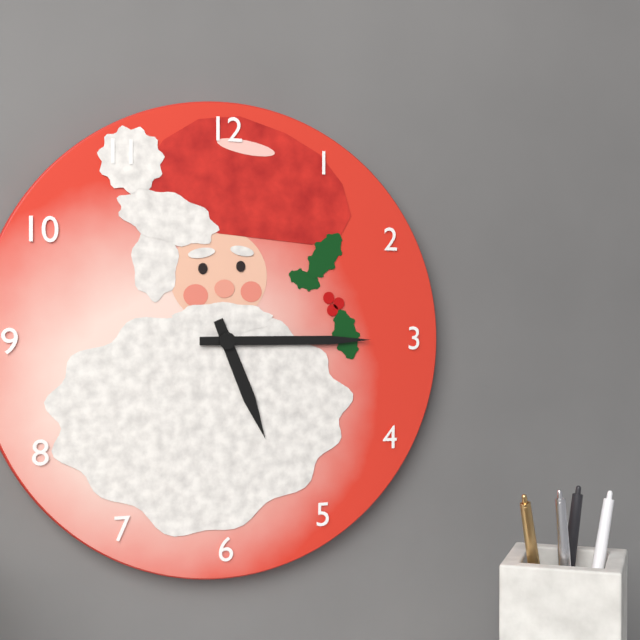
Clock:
5 h 15 min
